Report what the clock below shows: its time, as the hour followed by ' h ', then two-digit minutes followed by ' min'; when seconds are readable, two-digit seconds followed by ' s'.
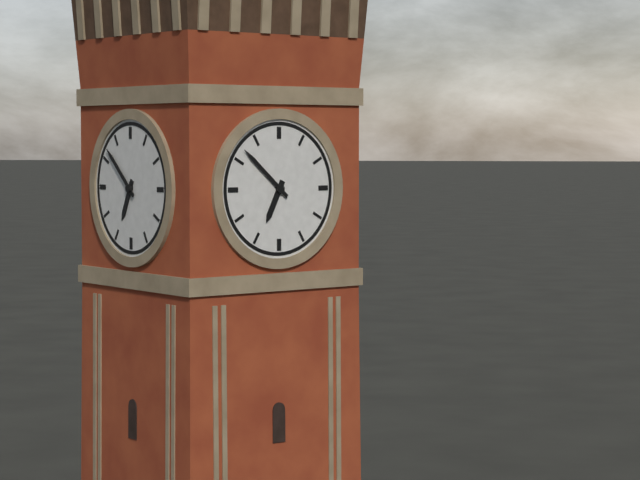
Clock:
6 h 52 min
